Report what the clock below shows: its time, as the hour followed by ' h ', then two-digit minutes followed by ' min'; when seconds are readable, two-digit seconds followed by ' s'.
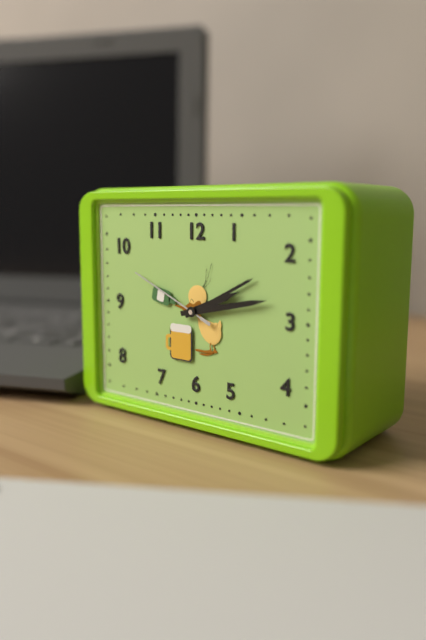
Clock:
2 h 13 min 49 s
